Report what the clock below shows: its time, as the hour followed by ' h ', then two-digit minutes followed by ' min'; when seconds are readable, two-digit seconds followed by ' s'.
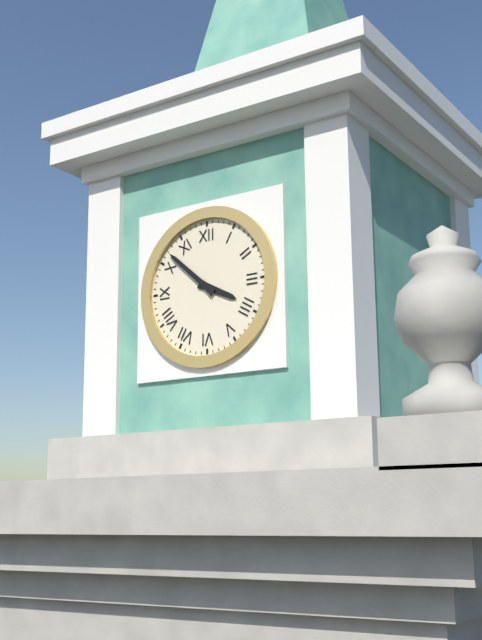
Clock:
3 h 52 min
